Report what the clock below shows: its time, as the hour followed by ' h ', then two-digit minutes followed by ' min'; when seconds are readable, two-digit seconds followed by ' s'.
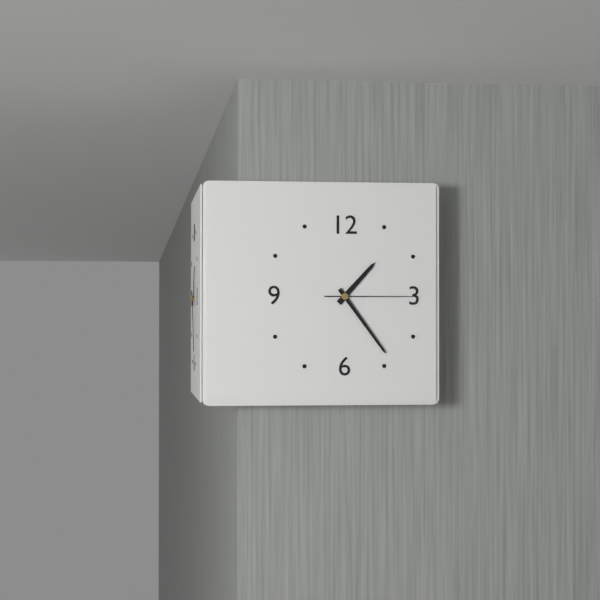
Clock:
1 h 24 min 15 s
